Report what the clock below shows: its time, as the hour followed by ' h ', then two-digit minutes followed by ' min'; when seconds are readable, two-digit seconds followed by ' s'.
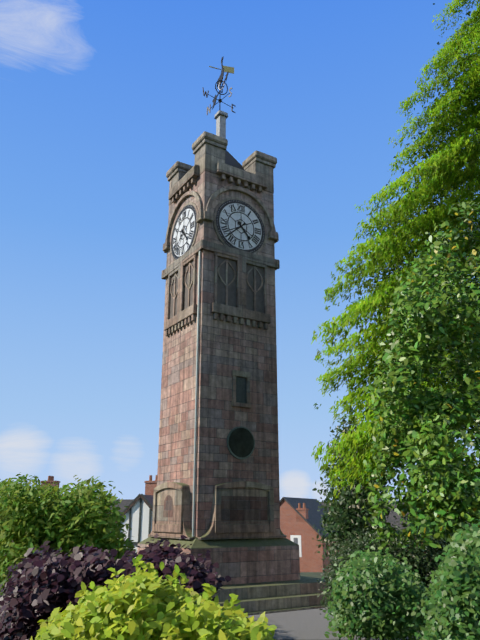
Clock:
4 h 38 min
